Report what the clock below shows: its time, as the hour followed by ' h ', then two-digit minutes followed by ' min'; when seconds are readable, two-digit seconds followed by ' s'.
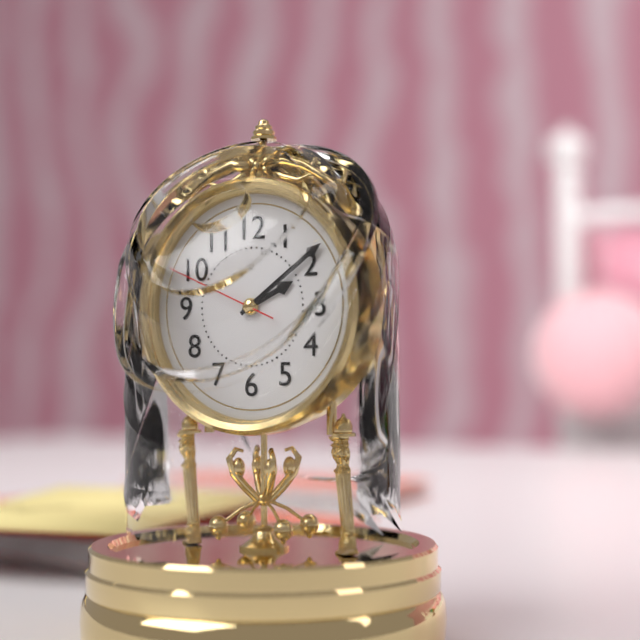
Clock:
2 h 09 min 49 s
